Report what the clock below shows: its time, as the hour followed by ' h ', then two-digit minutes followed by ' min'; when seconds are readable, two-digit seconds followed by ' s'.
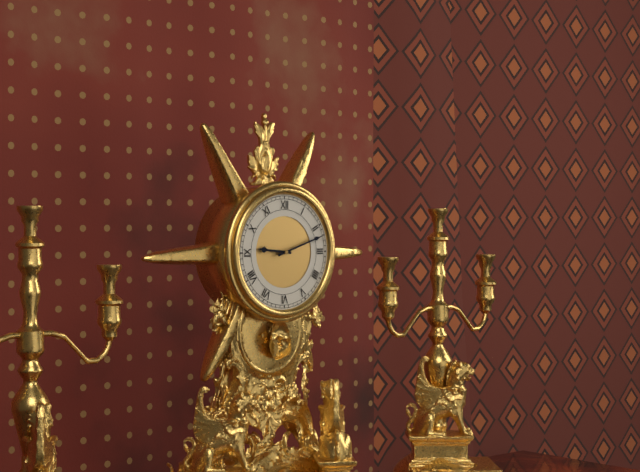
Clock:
9 h 12 min
